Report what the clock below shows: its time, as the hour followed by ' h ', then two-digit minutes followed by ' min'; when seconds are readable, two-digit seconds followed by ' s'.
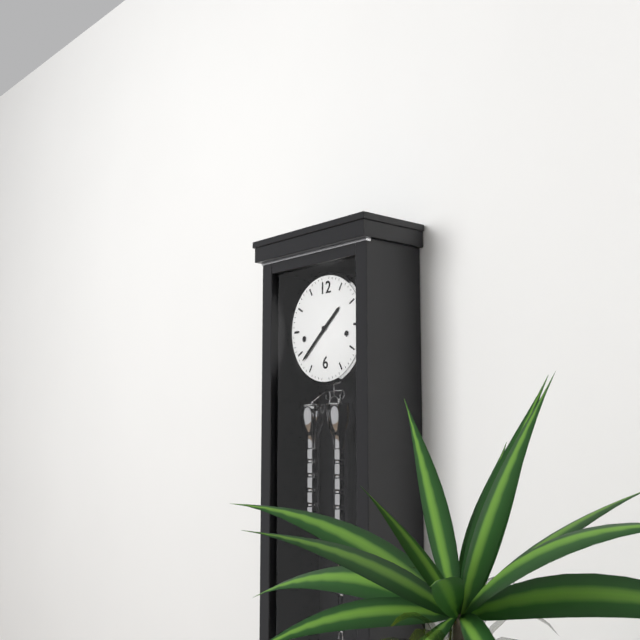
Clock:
1 h 38 min
